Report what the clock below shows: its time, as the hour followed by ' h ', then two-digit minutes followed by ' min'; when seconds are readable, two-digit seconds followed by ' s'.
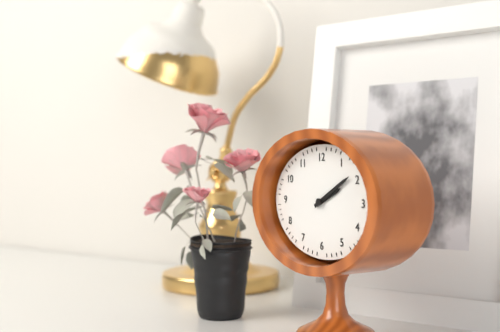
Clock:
2 h 10 min
